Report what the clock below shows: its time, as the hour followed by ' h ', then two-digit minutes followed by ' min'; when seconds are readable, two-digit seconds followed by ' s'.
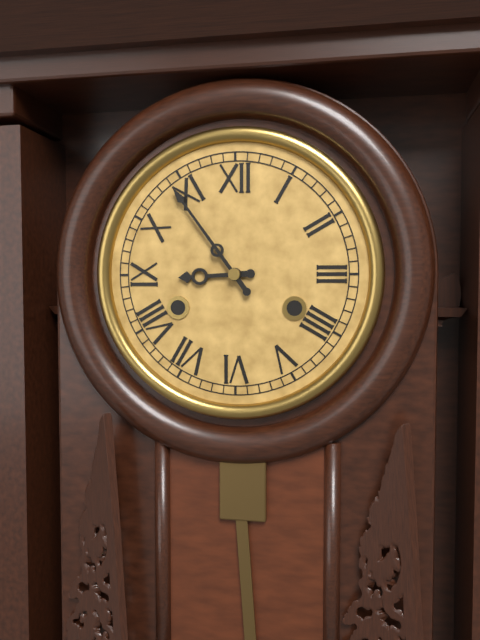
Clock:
8 h 54 min
